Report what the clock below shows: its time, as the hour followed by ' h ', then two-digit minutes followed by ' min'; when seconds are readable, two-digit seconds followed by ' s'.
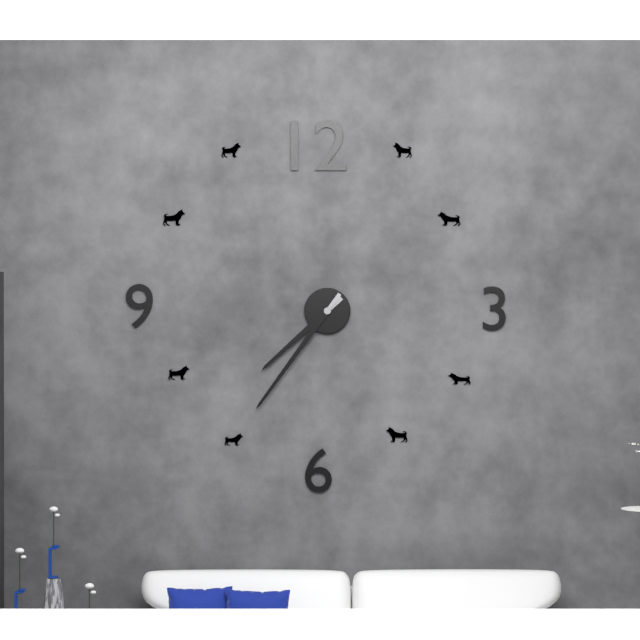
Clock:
7 h 36 min
